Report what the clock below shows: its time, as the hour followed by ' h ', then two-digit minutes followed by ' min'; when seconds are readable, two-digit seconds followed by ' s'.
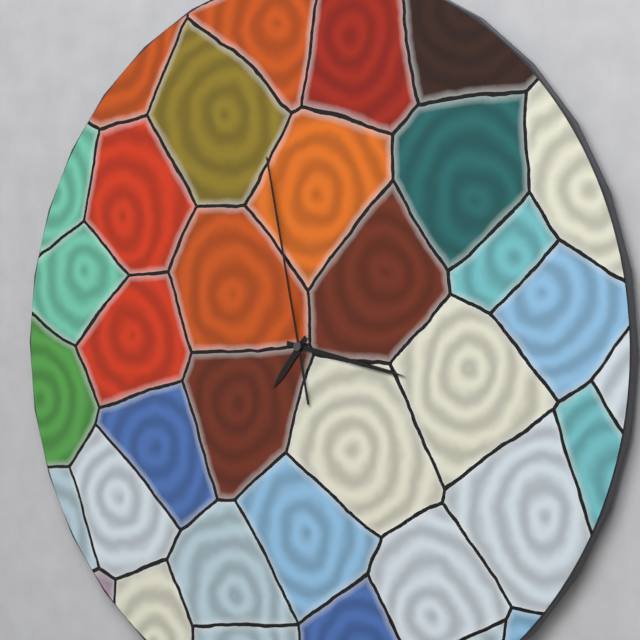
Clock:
7 h 17 min 58 s
